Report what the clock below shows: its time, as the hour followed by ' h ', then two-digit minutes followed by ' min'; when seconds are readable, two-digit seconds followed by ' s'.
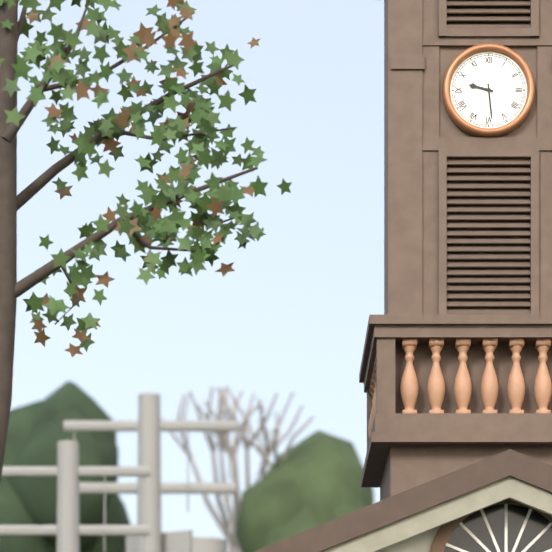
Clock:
9 h 29 min
